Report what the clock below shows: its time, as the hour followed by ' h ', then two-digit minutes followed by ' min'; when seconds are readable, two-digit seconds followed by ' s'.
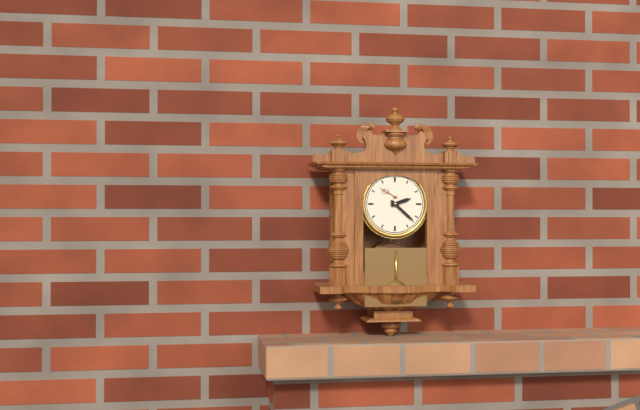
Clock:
2 h 22 min
